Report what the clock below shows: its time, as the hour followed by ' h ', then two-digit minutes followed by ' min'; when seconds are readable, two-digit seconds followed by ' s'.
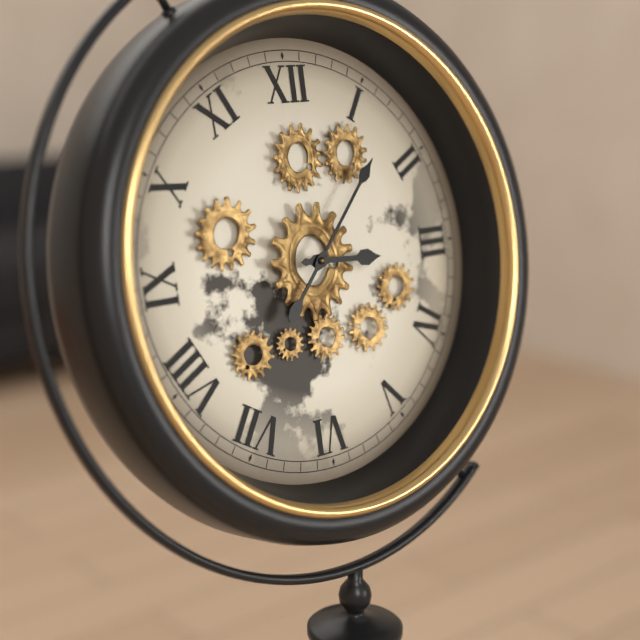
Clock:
3 h 07 min
